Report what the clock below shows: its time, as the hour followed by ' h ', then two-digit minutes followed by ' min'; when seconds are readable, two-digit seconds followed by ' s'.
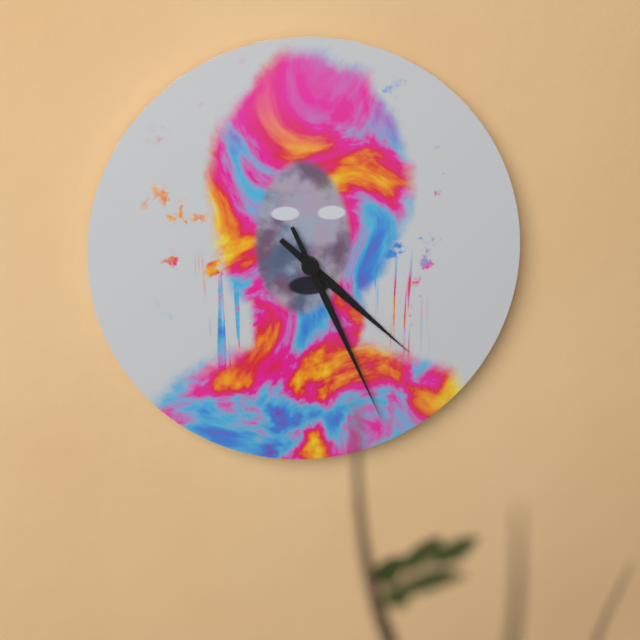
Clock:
4 h 26 min
